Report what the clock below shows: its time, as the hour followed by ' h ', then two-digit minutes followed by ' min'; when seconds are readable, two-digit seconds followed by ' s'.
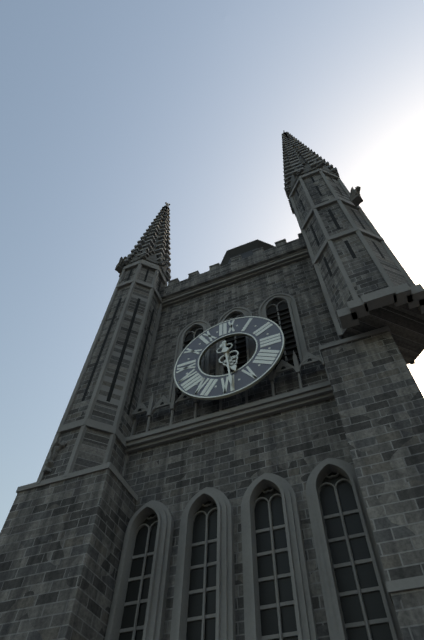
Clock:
5 h 29 min
